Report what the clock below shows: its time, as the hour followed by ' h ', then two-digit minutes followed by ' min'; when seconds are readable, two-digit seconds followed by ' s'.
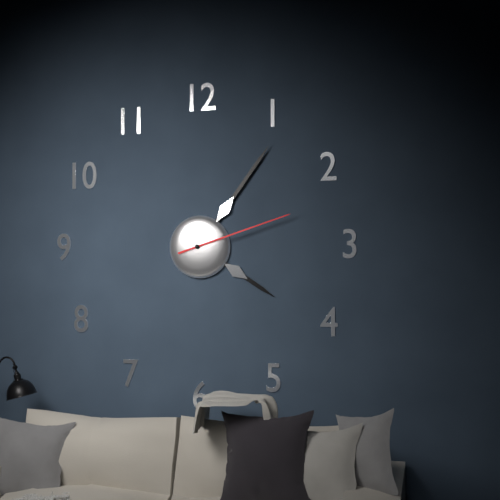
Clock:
4 h 06 min 12 s
